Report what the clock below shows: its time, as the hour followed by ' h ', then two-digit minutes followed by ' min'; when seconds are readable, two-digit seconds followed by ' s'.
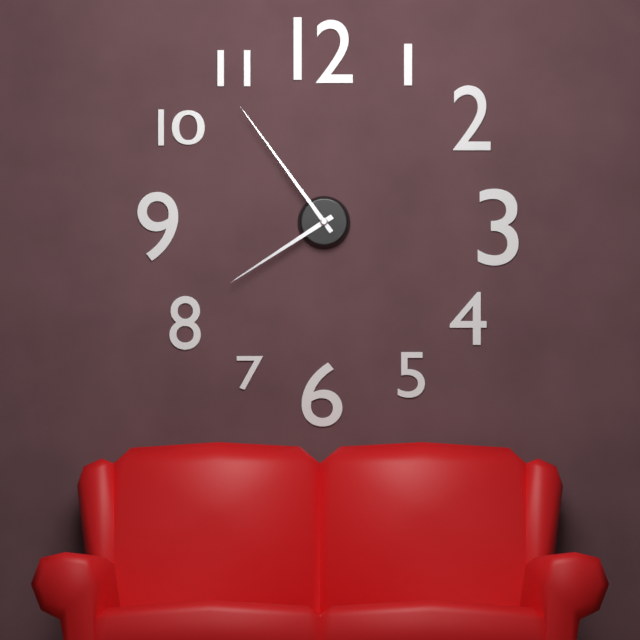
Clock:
7 h 54 min
